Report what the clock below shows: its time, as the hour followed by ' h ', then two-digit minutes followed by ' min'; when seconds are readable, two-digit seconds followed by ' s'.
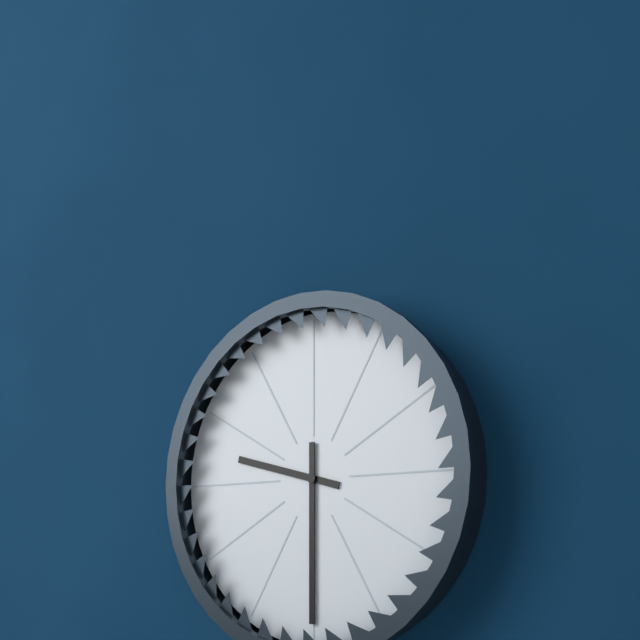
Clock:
9 h 30 min
